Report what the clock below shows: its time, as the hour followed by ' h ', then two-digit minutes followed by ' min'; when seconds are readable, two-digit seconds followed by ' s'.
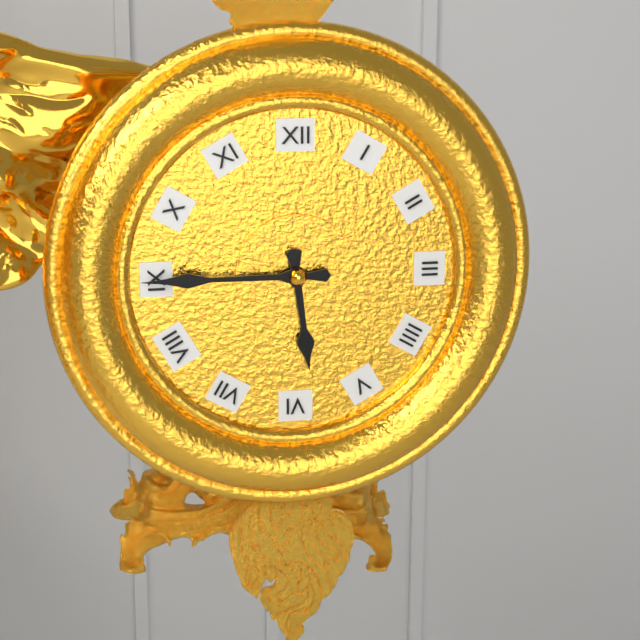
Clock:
5 h 45 min
